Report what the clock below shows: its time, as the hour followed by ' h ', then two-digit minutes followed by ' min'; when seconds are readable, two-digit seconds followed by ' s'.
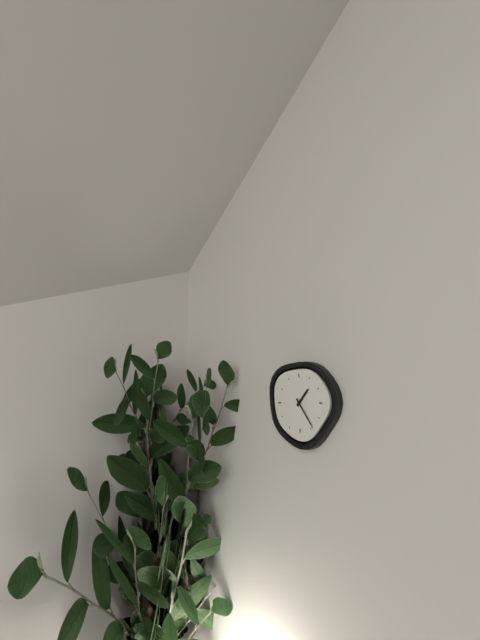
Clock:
1 h 24 min
